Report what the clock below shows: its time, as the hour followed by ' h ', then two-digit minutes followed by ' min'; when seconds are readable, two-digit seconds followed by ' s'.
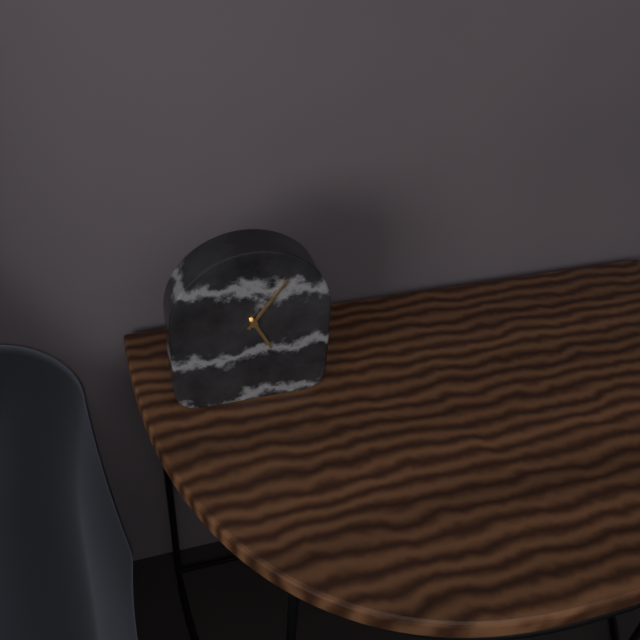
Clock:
5 h 06 min
